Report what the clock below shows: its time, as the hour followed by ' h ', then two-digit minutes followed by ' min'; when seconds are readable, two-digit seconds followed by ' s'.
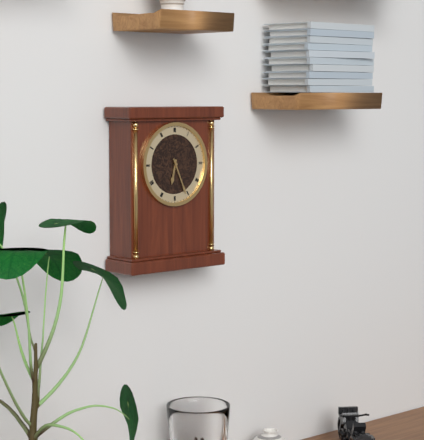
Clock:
6 h 26 min
